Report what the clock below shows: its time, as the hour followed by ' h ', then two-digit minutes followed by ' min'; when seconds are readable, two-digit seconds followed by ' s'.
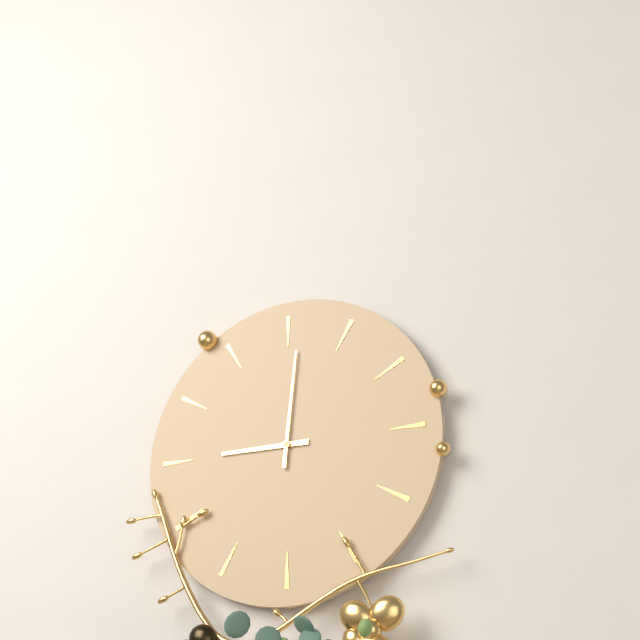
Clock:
9 h 01 min
